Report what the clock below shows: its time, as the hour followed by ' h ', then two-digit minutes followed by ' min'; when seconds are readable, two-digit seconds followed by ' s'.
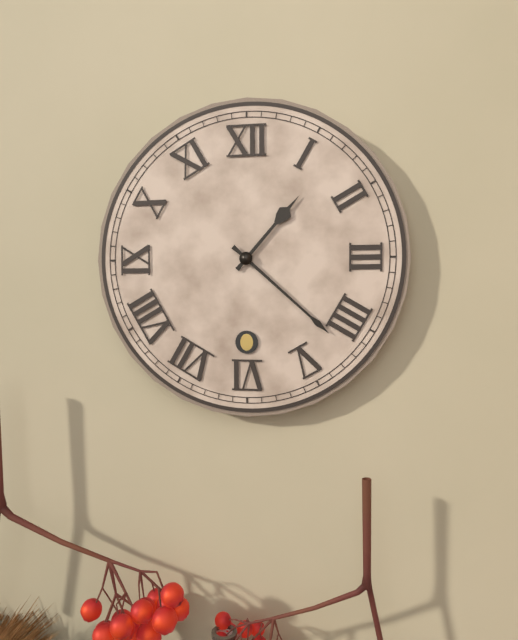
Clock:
1 h 22 min
